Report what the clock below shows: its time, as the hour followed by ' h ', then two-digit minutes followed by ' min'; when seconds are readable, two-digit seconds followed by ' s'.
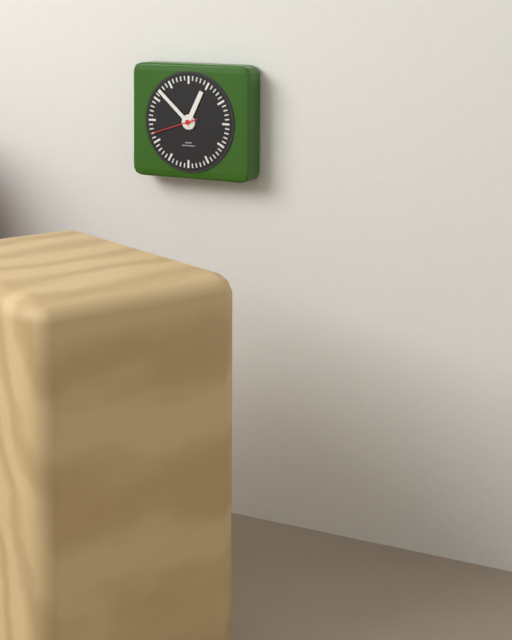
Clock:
12 h 52 min
